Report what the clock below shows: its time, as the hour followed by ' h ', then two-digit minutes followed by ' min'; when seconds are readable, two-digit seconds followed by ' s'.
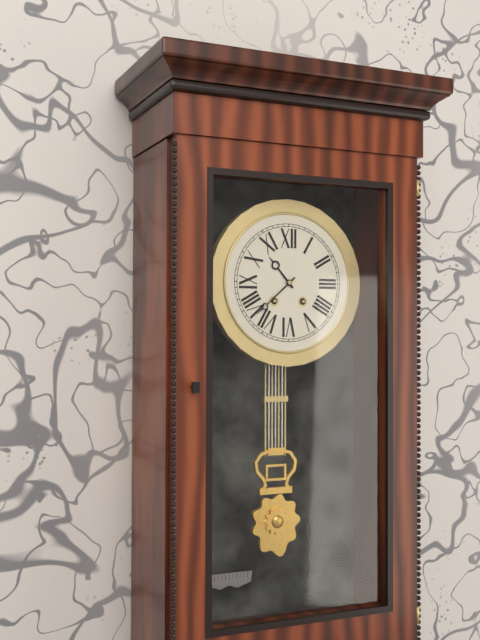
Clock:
10 h 38 min
